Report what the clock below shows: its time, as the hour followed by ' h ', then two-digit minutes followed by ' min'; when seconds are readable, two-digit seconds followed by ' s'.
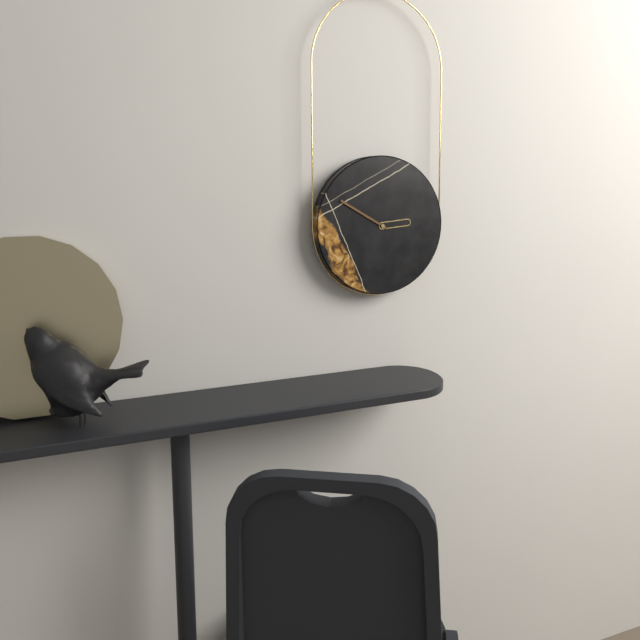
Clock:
2 h 50 min
